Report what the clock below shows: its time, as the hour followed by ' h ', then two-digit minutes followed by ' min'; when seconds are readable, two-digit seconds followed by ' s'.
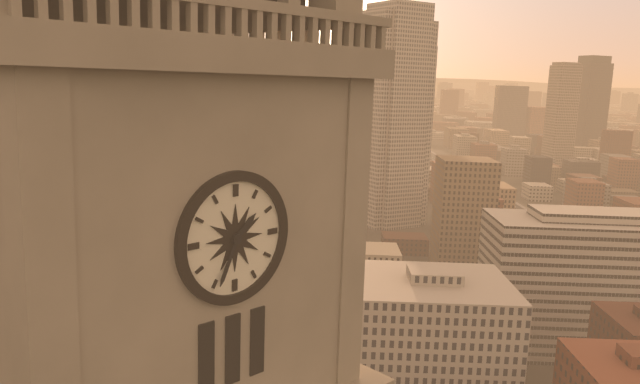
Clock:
1 h 34 min
